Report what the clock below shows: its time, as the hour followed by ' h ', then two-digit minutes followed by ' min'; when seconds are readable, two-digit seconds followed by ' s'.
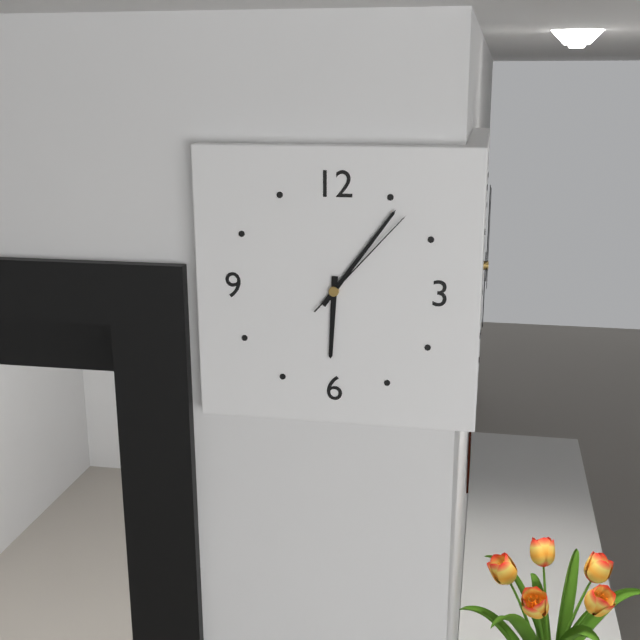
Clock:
6 h 06 min 07 s
